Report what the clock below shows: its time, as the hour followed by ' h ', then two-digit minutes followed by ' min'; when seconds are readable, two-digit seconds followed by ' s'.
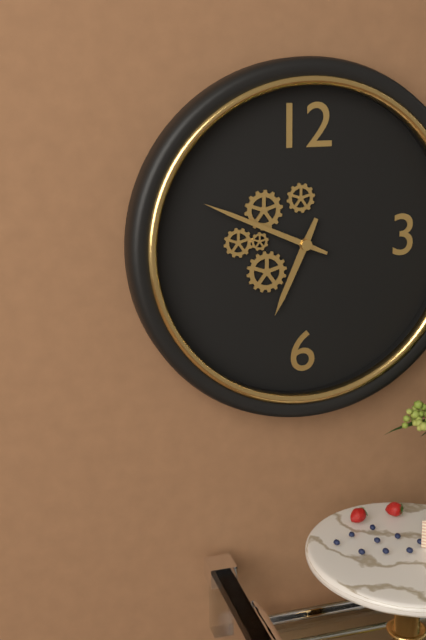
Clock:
6 h 49 min
